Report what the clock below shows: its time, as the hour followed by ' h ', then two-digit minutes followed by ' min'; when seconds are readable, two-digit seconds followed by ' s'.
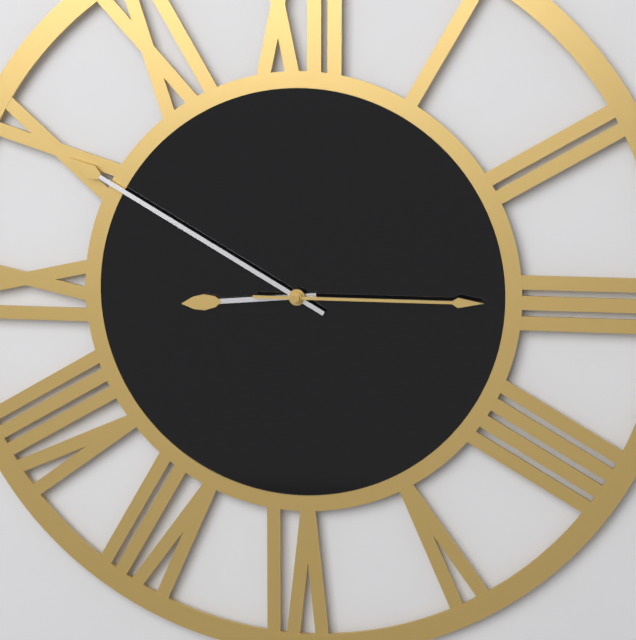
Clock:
8 h 50 min 15 s
